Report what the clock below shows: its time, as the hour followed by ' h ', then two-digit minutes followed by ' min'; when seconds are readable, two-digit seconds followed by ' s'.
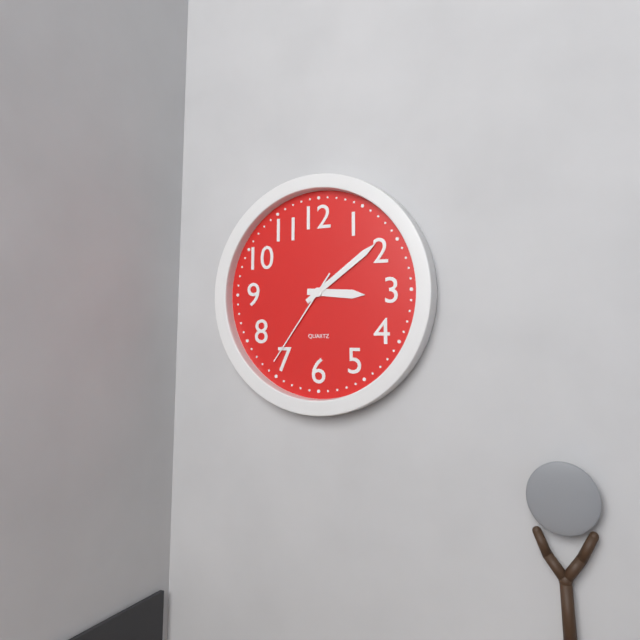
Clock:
3 h 09 min 36 s
